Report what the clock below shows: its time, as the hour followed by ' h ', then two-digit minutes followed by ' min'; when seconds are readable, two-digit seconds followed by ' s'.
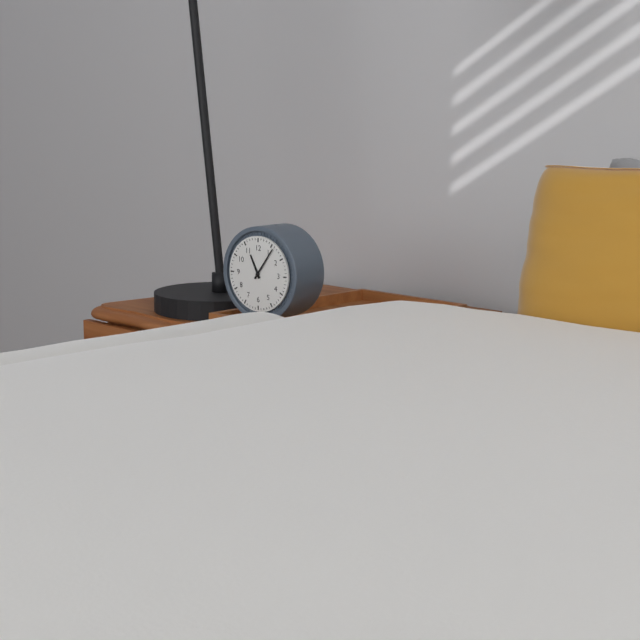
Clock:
11 h 06 min
